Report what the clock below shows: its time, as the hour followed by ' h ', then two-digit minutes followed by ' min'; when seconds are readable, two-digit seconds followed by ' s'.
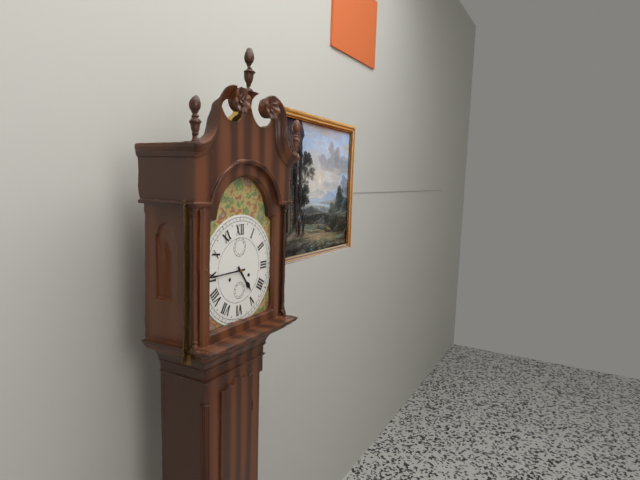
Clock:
4 h 45 min
